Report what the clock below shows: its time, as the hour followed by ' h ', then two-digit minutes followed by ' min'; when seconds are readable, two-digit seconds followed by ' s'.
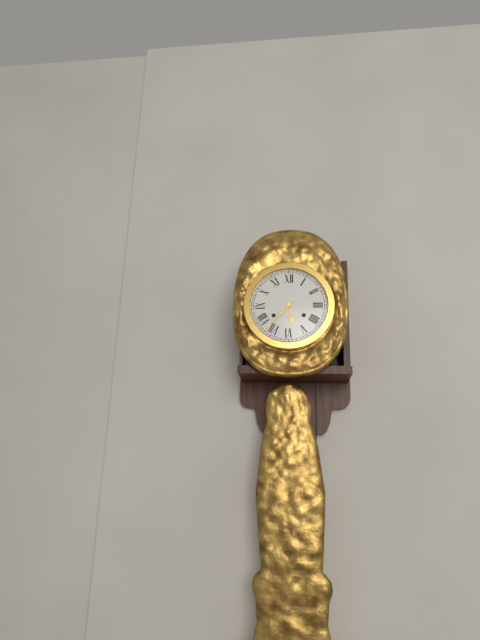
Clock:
5 h 37 min
